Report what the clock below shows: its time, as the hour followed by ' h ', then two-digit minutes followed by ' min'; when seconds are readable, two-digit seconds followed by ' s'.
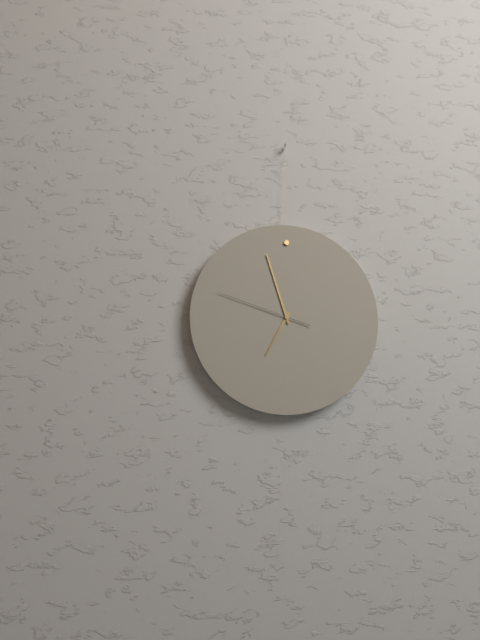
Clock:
6 h 57 min 48 s
